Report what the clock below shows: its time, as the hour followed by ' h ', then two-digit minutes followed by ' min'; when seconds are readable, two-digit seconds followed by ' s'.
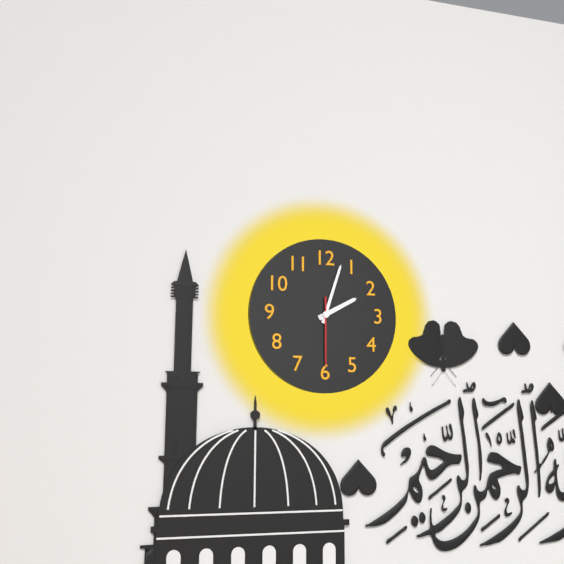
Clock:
2 h 03 min 30 s
